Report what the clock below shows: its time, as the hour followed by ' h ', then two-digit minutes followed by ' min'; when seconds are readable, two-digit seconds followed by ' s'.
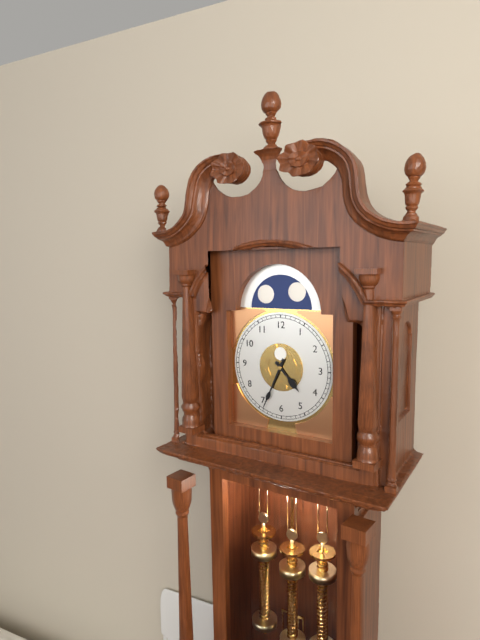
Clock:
4 h 34 min
